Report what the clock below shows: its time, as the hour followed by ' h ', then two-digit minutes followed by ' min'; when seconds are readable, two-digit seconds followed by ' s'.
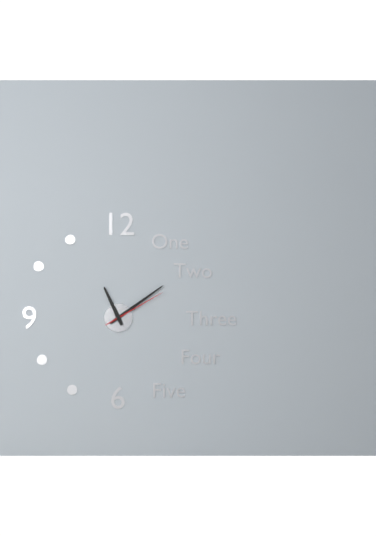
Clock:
11 h 09 min 10 s
